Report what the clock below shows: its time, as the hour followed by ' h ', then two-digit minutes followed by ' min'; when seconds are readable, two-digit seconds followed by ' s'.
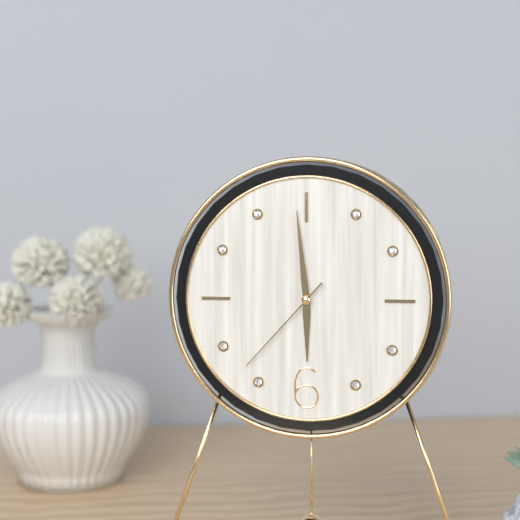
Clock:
5 h 59 min 37 s
